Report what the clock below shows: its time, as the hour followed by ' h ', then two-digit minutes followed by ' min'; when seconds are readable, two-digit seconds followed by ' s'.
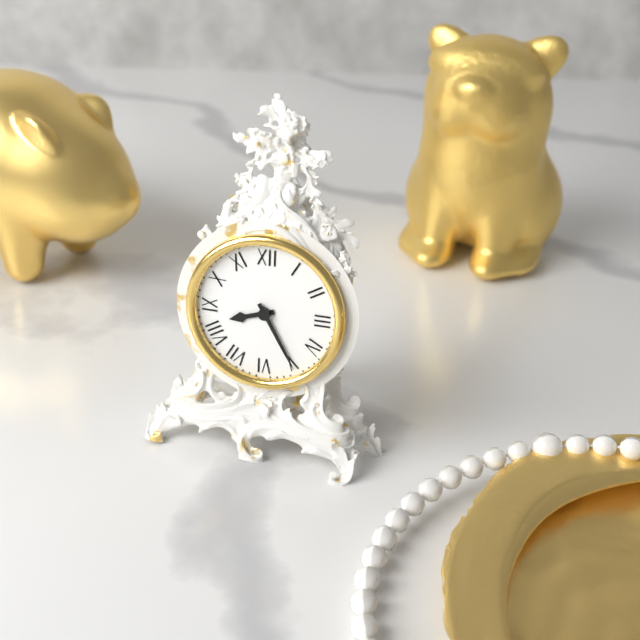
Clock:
8 h 25 min
